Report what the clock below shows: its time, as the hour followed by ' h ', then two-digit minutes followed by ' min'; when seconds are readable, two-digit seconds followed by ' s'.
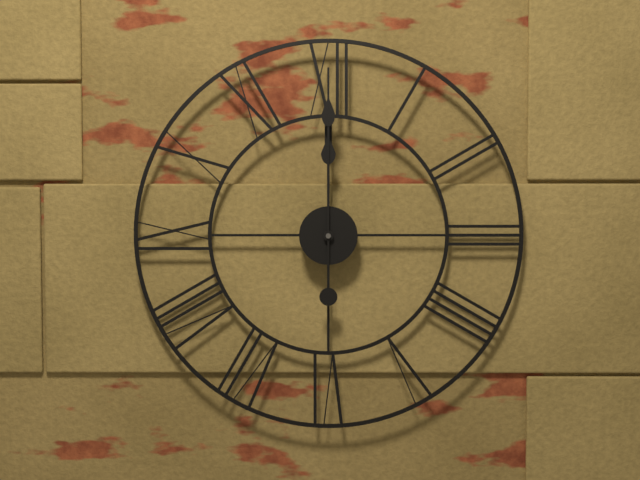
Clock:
12 h 00 min
